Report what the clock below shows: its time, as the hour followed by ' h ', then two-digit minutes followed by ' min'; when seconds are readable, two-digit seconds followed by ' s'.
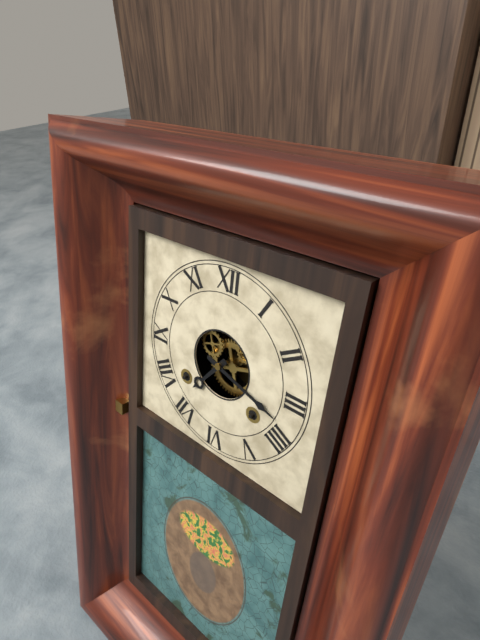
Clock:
7 h 18 min
